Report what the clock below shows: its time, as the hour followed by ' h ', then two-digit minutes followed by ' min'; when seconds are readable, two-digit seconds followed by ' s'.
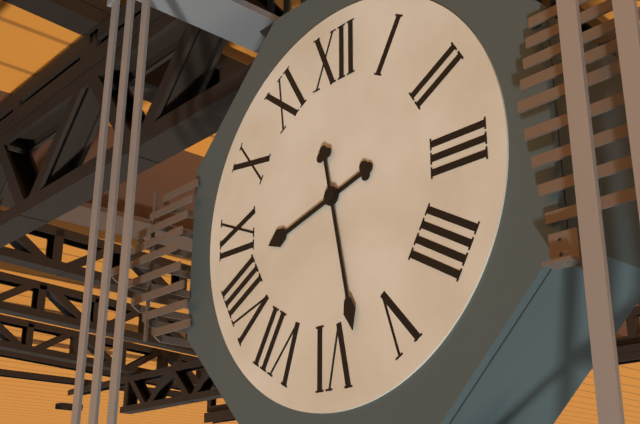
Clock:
8 h 28 min
